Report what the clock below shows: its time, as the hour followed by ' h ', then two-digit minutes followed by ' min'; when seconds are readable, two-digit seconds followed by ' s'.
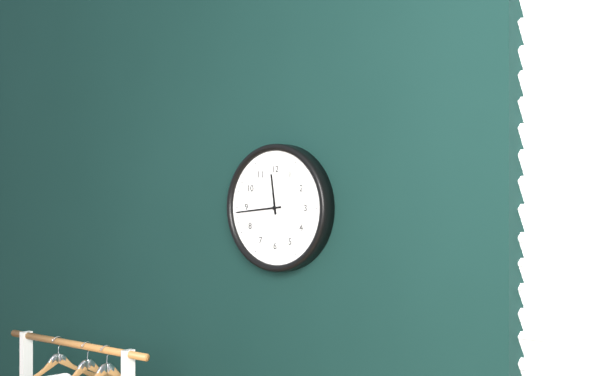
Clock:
11 h 44 min
